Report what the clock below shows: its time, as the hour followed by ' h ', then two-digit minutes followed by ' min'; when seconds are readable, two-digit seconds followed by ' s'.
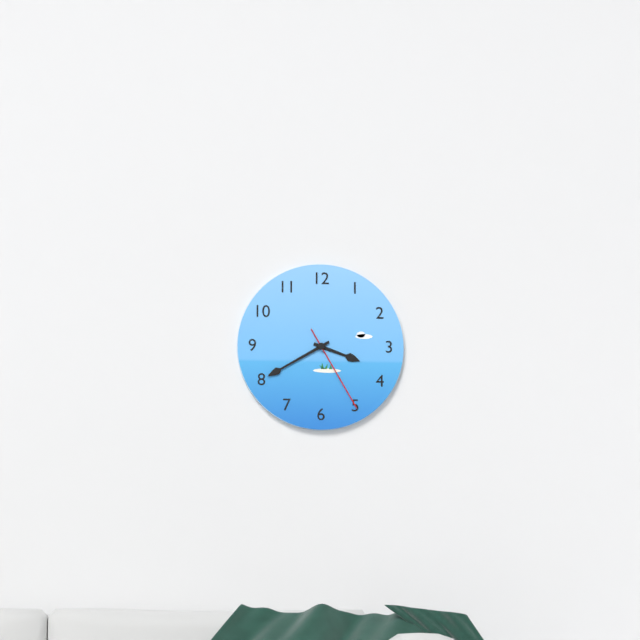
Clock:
3 h 40 min 25 s
